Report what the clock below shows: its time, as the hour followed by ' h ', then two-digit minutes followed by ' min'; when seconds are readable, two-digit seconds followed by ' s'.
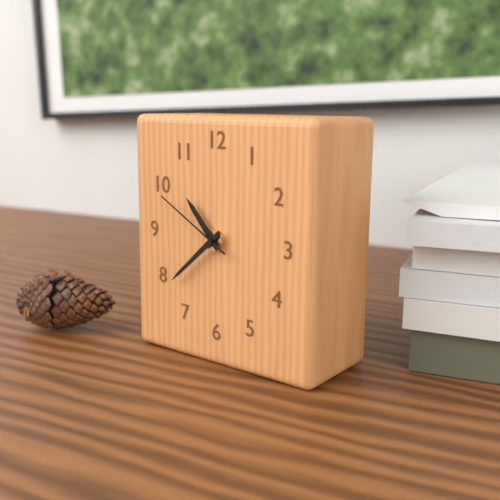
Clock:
10 h 38 min 50 s
